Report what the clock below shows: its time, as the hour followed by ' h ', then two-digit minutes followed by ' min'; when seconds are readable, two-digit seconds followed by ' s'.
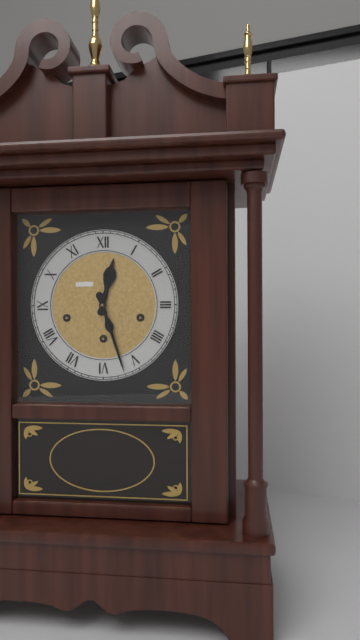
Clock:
12 h 27 min
